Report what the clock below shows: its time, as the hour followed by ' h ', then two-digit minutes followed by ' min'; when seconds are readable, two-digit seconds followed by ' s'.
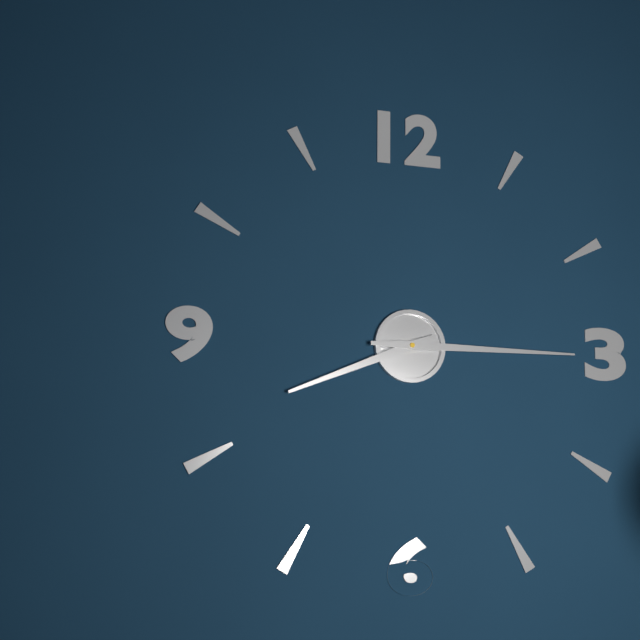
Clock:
8 h 15 min
